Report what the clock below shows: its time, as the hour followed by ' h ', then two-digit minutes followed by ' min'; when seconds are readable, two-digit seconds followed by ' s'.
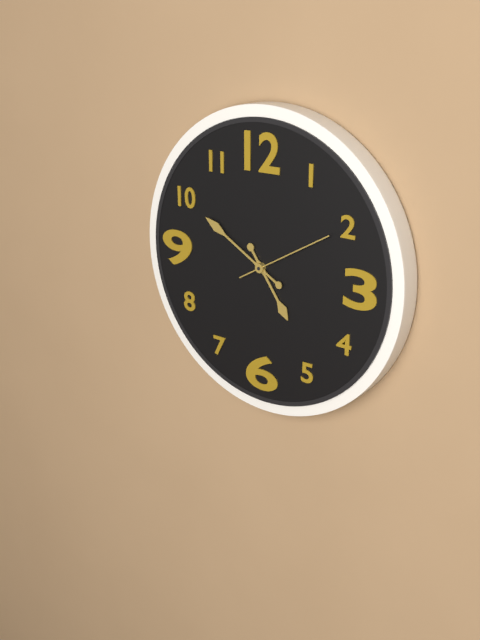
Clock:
4 h 50 min 10 s
